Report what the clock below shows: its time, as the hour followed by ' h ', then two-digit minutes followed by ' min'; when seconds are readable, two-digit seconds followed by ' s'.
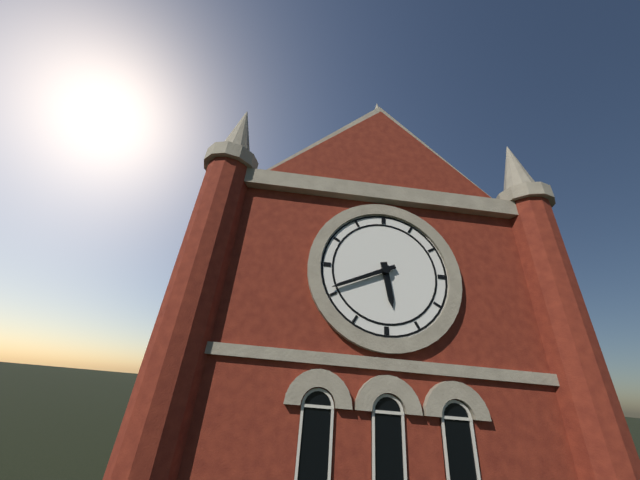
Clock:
5 h 41 min
